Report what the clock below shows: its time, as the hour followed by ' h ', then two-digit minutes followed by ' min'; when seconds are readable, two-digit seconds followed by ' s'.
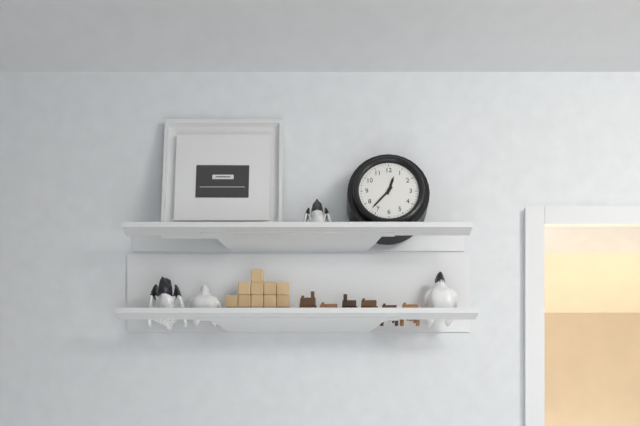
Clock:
12 h 37 min
